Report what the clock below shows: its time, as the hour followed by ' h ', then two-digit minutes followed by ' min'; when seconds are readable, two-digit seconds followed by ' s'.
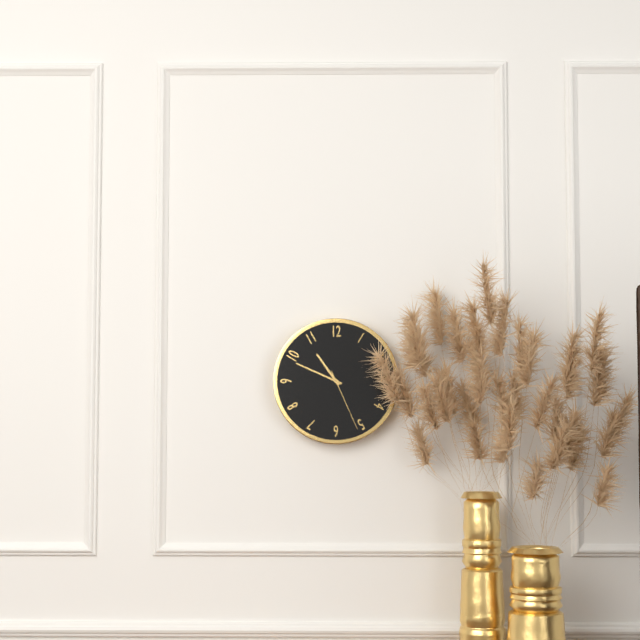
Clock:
10 h 49 min 26 s
